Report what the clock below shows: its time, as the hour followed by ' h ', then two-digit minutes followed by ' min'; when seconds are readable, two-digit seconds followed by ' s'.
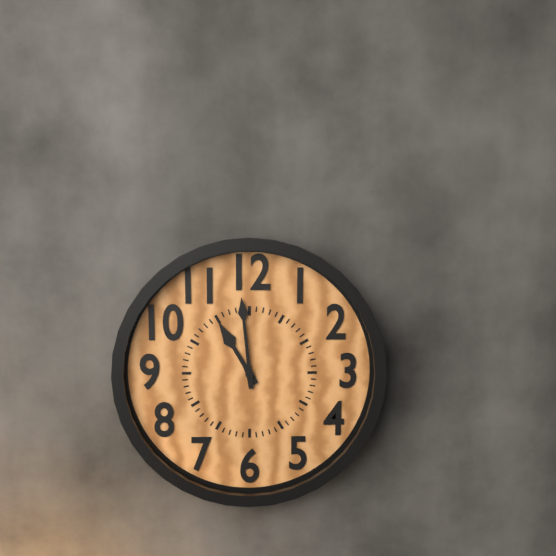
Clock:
10 h 59 min
